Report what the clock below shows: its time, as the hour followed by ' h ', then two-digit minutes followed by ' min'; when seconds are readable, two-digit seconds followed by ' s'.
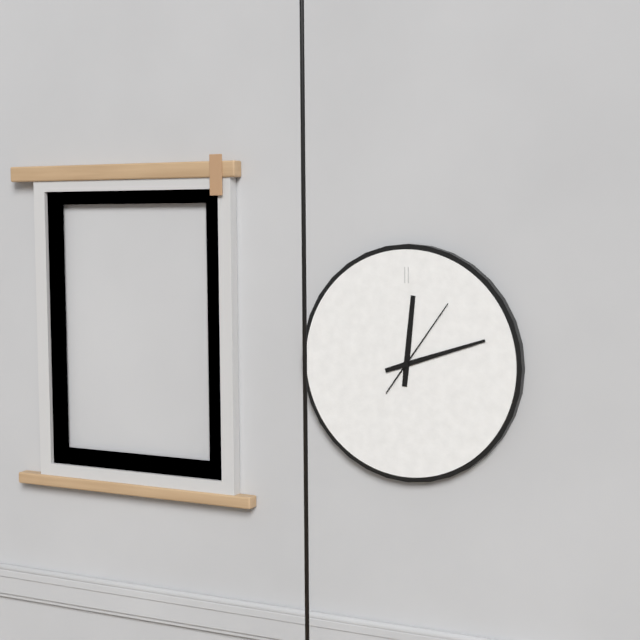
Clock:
12 h 12 min 06 s
